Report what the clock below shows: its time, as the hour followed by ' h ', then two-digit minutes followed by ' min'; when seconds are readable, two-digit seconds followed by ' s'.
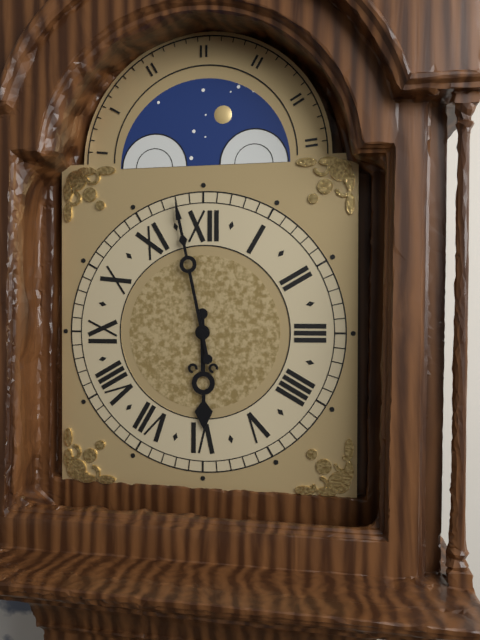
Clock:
5 h 58 min
